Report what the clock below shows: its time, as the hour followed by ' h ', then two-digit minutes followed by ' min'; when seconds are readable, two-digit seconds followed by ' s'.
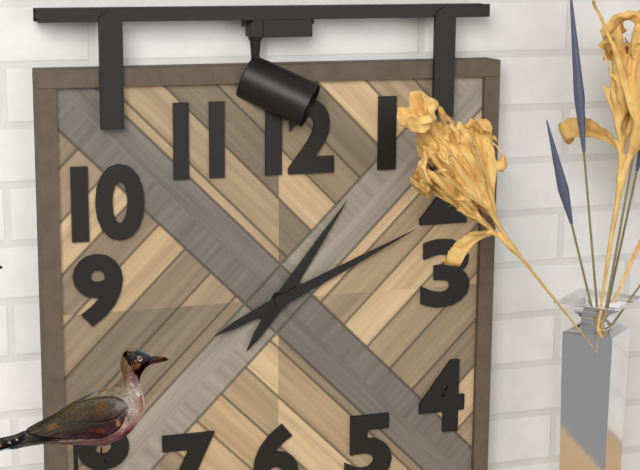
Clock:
1 h 11 min
